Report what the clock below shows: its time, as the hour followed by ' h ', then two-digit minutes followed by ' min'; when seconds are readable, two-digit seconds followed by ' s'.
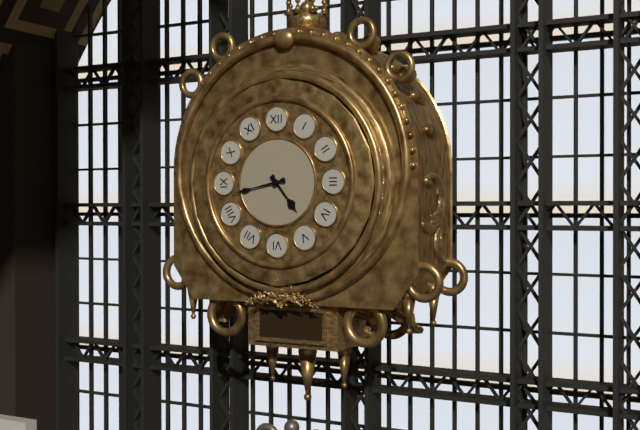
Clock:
4 h 43 min
